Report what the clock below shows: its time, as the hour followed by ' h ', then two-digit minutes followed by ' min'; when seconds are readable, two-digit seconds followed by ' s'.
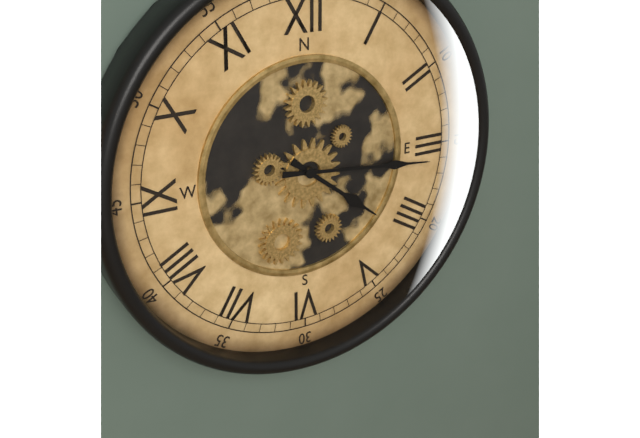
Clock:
4 h 16 min
